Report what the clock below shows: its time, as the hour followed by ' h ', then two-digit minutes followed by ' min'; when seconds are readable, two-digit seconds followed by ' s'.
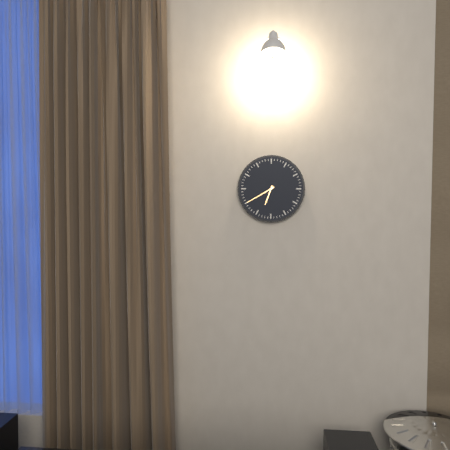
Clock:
6 h 40 min
